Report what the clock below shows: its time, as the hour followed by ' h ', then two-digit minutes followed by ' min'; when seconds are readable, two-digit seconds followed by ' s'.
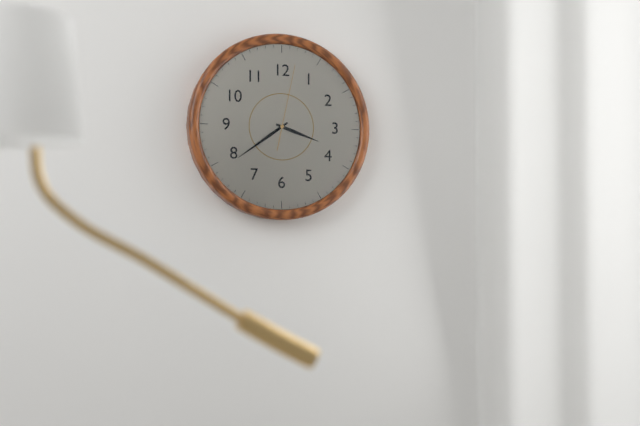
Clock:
3 h 39 min 02 s
